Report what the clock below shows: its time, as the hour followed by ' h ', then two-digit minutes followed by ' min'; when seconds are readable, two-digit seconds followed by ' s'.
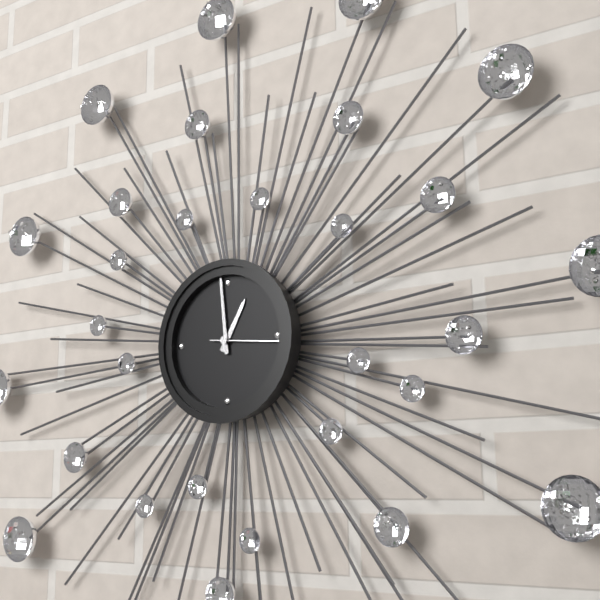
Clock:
12 h 59 min 16 s
